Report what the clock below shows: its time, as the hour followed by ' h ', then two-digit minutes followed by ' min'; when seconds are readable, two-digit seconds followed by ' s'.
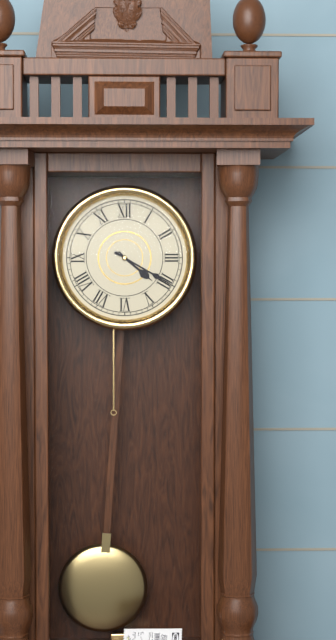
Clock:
4 h 20 min
